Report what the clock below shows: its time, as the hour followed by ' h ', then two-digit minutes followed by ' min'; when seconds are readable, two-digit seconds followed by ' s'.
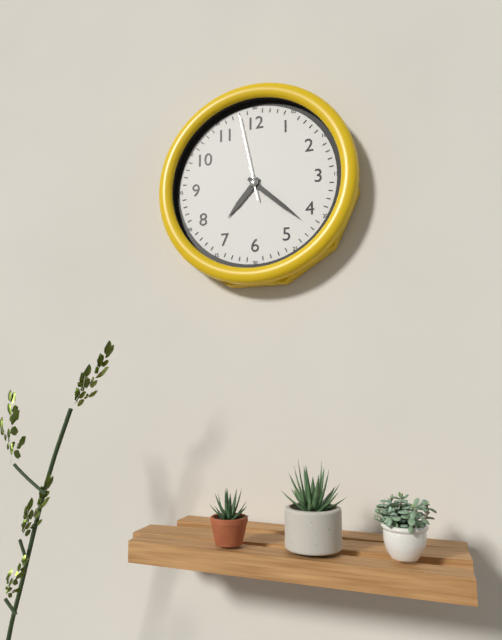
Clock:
7 h 22 min 58 s
